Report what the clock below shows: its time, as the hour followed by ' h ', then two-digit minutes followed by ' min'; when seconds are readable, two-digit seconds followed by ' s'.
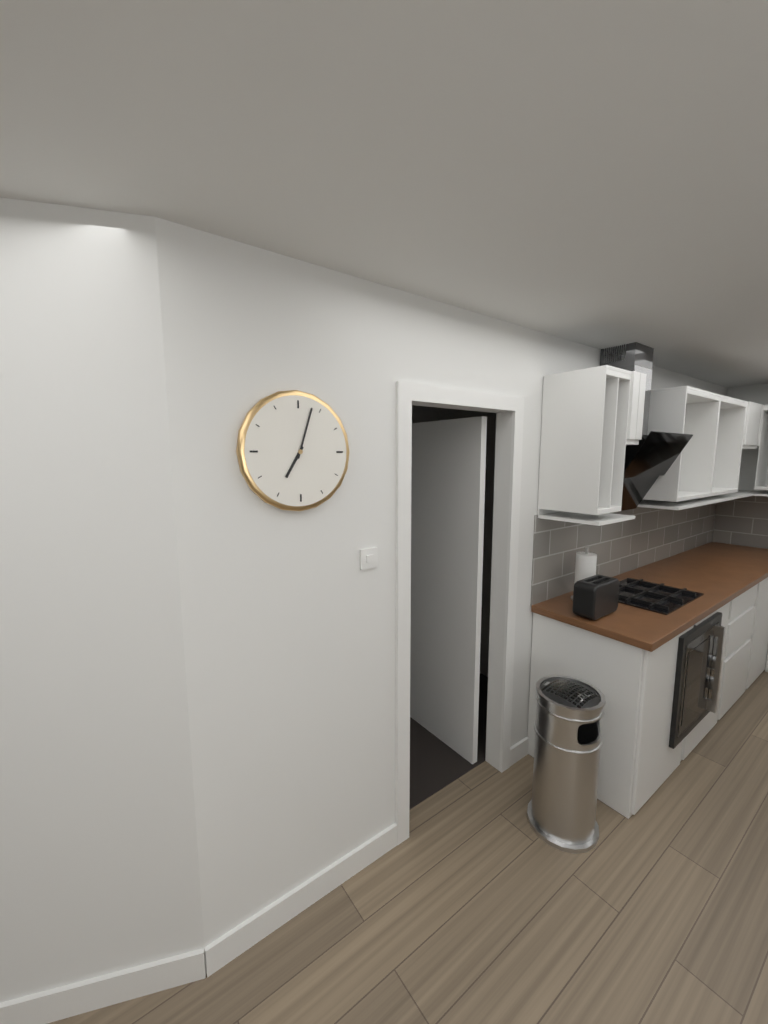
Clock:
7 h 03 min
